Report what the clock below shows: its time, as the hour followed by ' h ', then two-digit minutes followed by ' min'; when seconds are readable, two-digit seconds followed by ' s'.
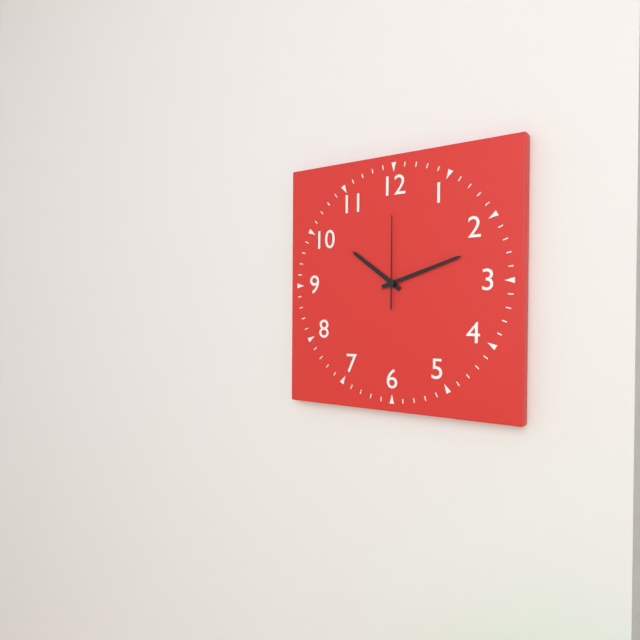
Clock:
10 h 12 min 00 s
